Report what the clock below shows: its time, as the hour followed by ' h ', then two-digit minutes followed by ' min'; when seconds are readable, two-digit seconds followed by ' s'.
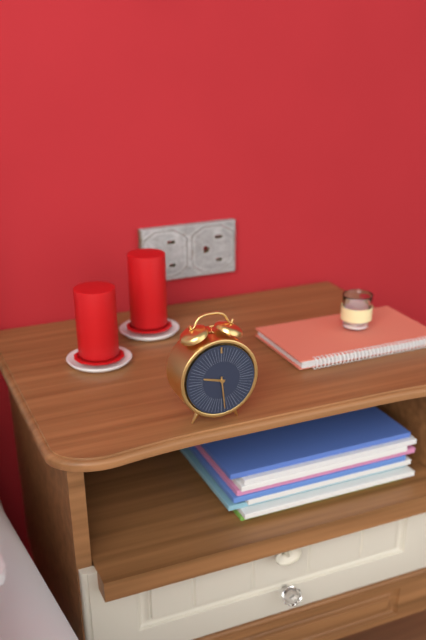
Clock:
9 h 29 min
